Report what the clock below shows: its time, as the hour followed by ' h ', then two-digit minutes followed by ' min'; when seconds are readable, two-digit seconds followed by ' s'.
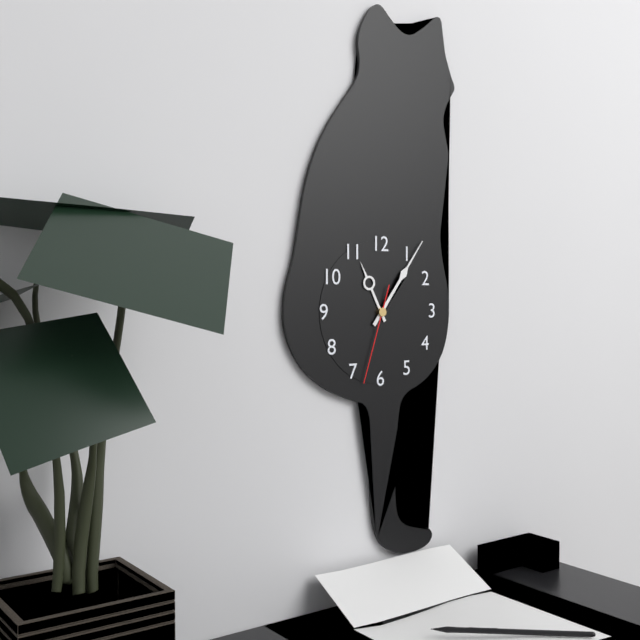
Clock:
11 h 06 min 33 s
